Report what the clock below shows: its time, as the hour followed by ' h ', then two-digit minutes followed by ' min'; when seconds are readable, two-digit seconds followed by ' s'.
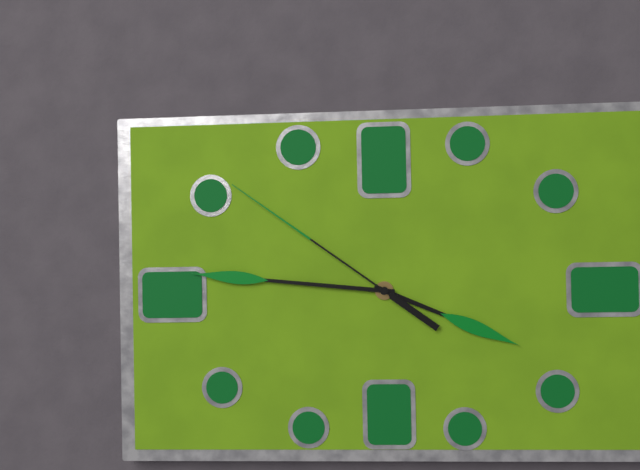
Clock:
3 h 46 min 51 s
